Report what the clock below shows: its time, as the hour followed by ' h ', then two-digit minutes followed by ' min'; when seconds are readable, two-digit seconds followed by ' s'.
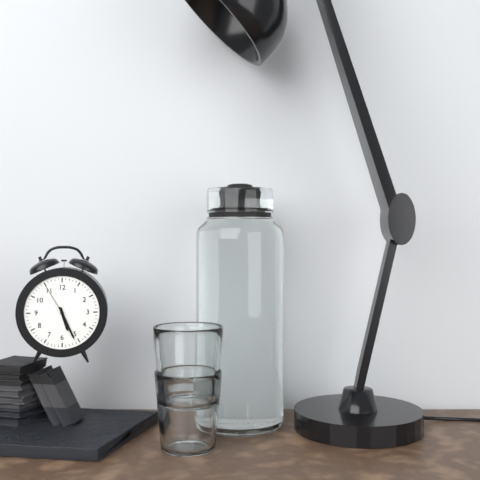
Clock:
5 h 26 min
